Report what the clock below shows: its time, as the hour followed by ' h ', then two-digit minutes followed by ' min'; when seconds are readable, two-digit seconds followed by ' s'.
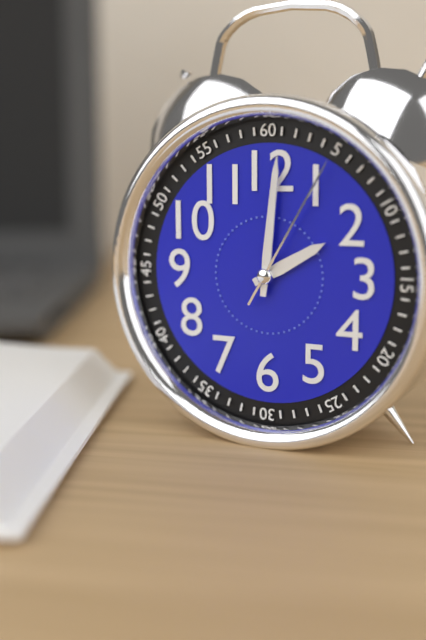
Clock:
2 h 01 min 05 s
